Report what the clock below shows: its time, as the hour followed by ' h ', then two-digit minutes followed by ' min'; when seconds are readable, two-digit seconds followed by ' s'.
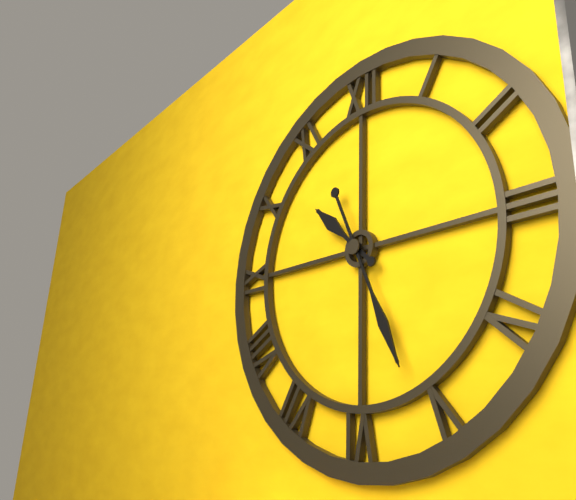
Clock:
10 h 26 min
